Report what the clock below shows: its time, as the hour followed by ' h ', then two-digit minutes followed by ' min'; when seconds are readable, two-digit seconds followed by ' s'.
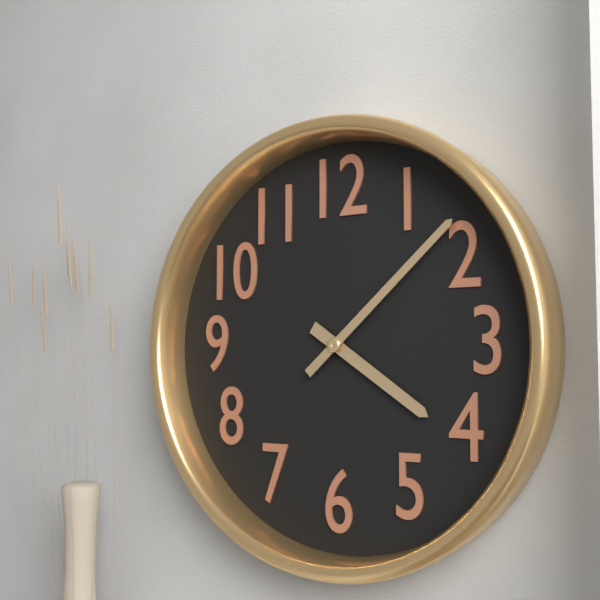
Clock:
4 h 08 min
